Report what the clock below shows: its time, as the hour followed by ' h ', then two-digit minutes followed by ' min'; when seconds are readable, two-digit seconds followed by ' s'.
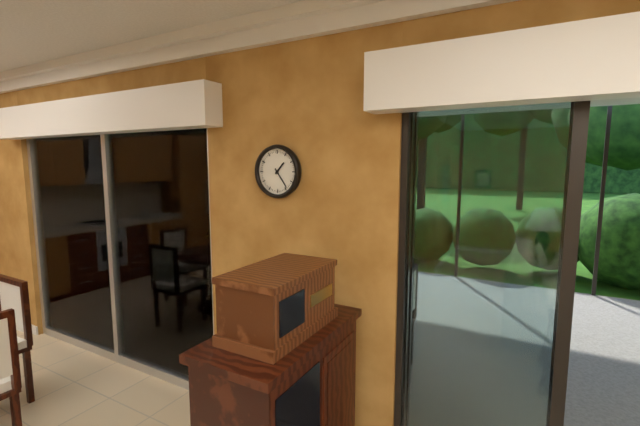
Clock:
1 h 24 min
